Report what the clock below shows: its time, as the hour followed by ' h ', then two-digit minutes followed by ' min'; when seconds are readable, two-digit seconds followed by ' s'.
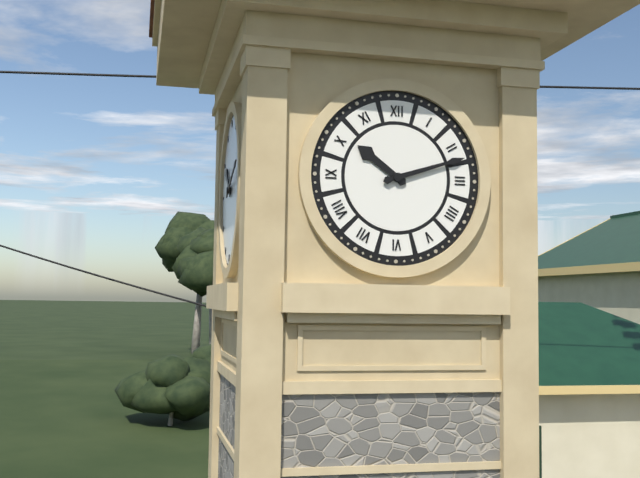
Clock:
10 h 12 min
